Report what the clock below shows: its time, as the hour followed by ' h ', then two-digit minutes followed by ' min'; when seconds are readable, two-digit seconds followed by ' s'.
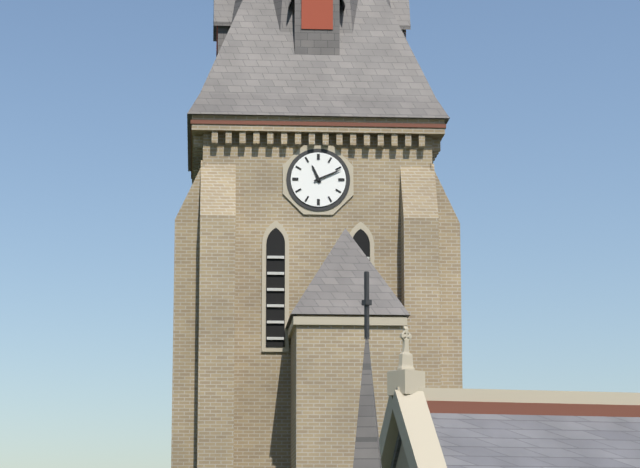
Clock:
11 h 11 min
